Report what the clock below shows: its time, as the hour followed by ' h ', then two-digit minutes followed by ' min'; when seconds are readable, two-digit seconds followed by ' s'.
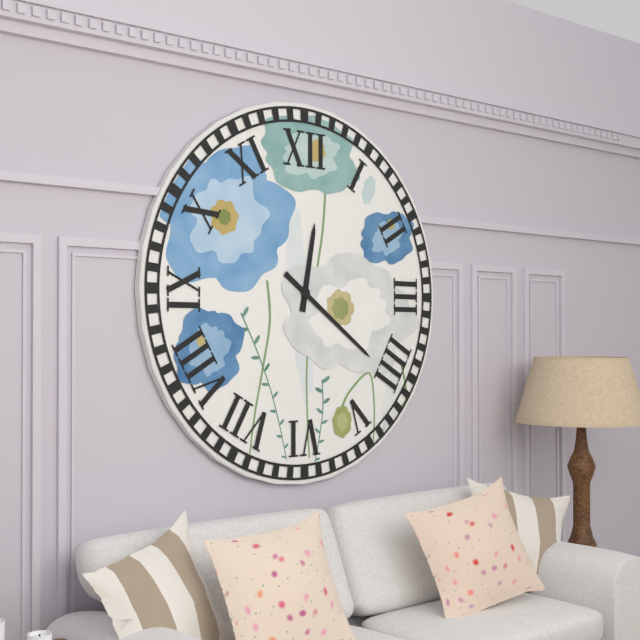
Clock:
12 h 21 min
